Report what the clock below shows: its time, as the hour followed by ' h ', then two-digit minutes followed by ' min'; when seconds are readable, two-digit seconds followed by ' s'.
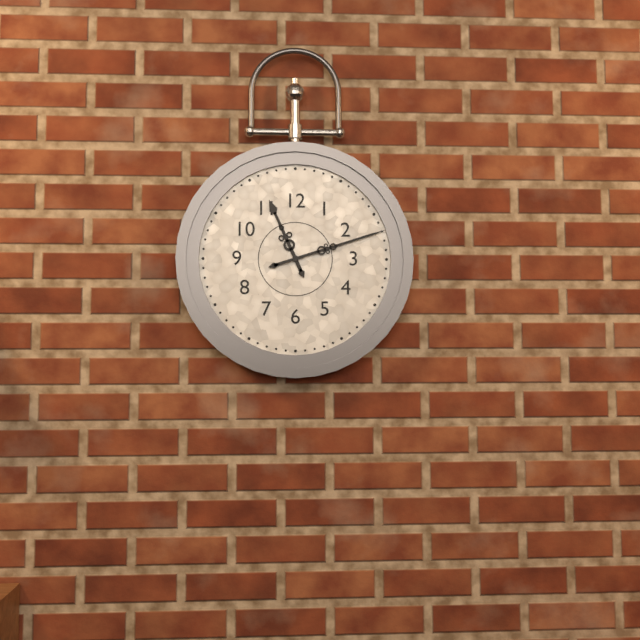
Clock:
11 h 12 min
